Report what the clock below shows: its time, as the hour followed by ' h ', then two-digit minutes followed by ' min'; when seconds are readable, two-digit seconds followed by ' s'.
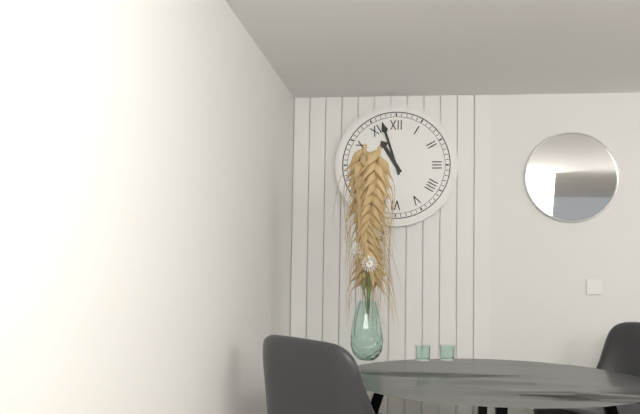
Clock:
10 h 57 min
